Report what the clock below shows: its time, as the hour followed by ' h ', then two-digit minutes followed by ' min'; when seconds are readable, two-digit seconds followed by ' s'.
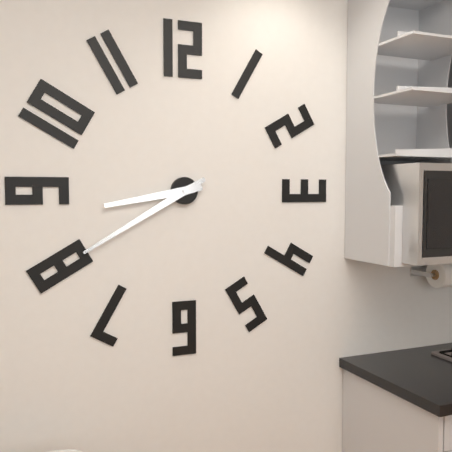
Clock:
8 h 40 min
